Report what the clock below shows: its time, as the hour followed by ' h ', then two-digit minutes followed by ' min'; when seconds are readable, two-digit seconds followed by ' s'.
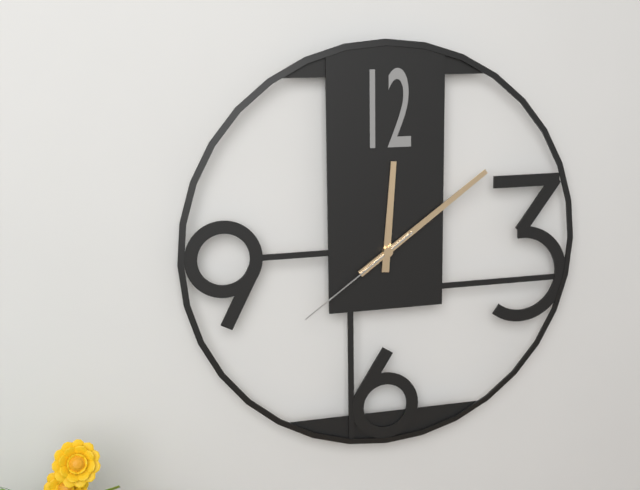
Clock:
12 h 09 min 39 s
